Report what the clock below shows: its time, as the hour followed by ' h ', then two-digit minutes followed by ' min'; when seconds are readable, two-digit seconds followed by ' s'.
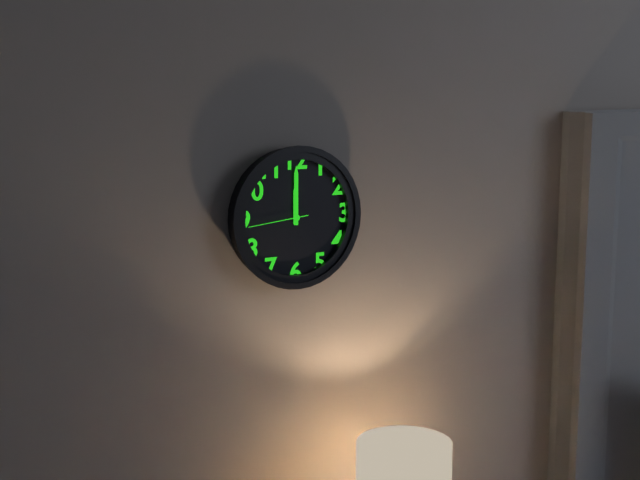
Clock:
12 h 00 min 44 s
